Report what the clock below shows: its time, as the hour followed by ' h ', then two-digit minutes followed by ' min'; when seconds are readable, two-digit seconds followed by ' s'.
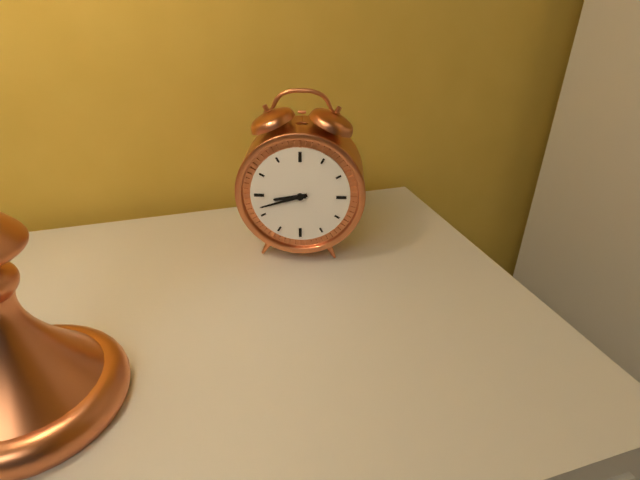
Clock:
8 h 42 min
